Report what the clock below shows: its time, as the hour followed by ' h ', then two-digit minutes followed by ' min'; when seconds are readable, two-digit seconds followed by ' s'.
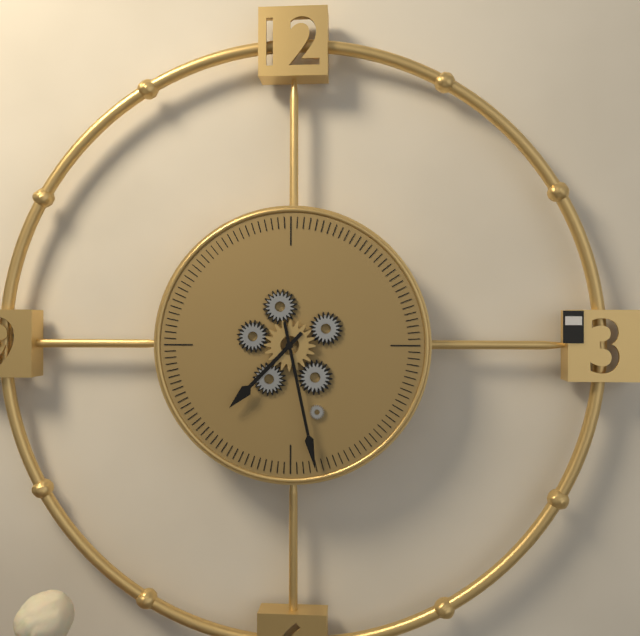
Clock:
7 h 28 min
